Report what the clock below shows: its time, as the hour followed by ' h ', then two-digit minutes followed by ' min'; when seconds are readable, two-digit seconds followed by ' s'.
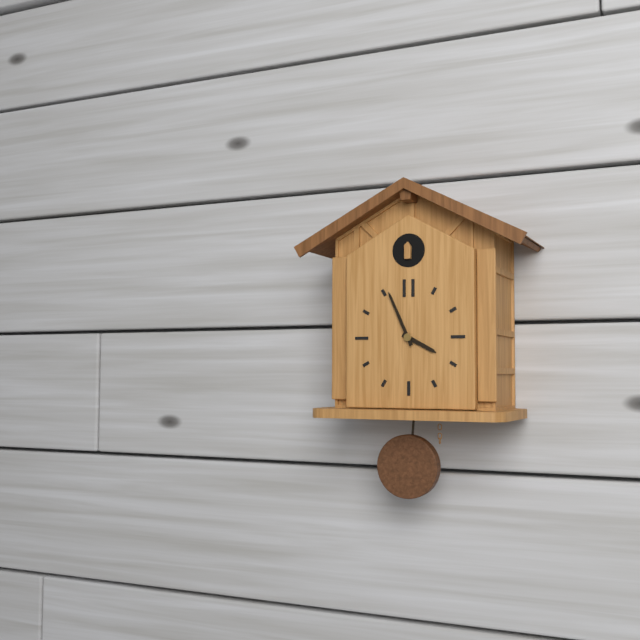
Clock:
3 h 56 min
